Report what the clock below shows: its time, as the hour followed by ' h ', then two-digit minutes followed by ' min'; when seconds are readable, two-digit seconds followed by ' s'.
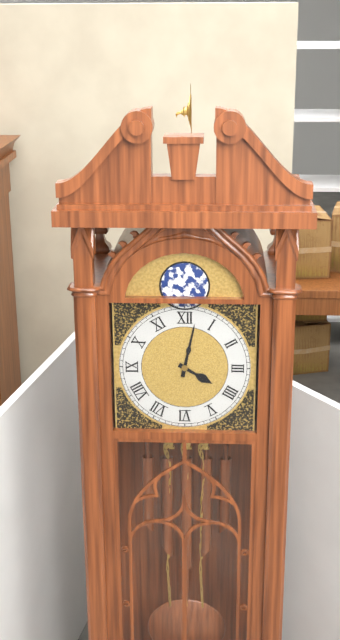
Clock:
4 h 02 min
